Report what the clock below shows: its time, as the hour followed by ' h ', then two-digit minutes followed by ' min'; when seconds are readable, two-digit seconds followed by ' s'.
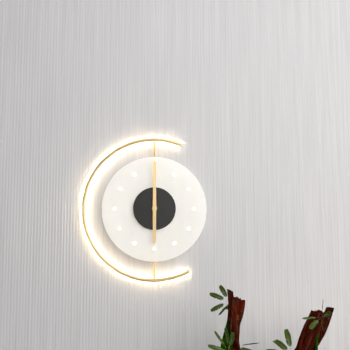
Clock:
6 h 00 min
